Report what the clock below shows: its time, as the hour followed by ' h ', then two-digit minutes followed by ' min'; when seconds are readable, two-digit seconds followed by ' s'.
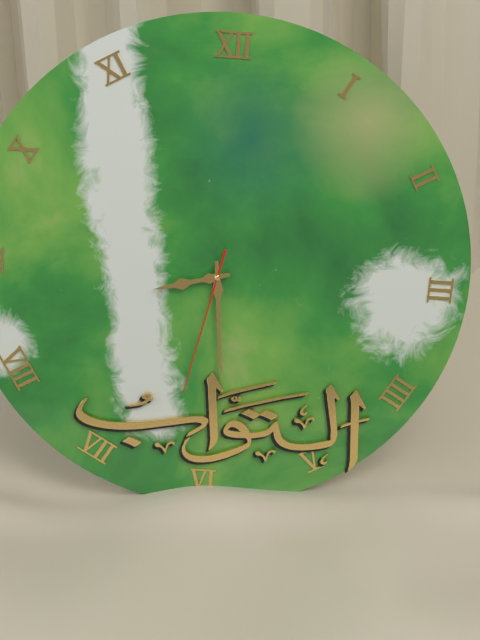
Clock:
8 h 29 min 32 s
